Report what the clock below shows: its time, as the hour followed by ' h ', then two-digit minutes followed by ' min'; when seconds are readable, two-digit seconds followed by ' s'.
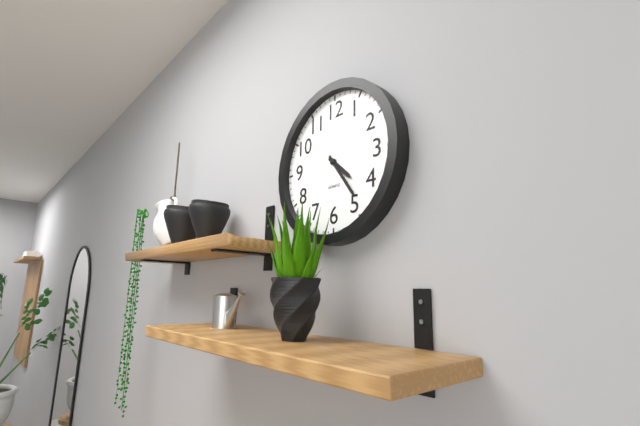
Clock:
4 h 24 min
